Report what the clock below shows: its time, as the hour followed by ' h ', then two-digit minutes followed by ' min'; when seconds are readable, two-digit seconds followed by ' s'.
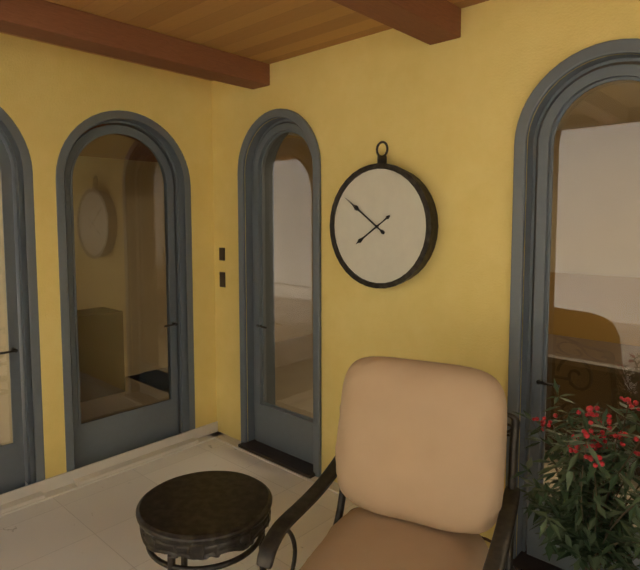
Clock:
7 h 51 min
